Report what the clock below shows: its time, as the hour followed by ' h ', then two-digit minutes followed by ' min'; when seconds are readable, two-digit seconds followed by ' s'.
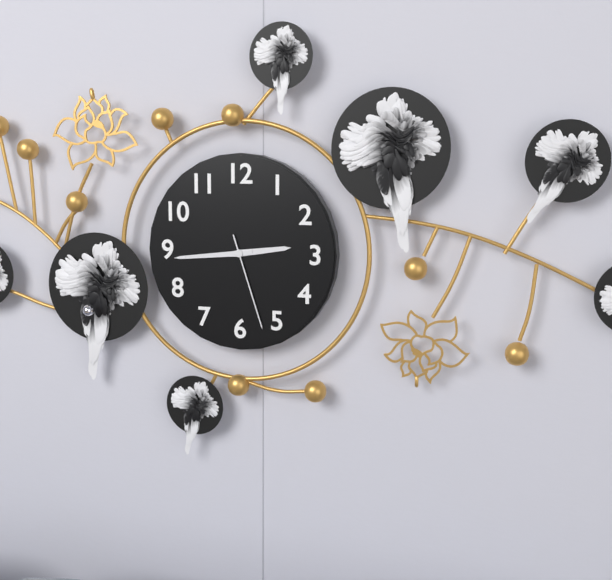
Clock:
2 h 44 min 27 s
